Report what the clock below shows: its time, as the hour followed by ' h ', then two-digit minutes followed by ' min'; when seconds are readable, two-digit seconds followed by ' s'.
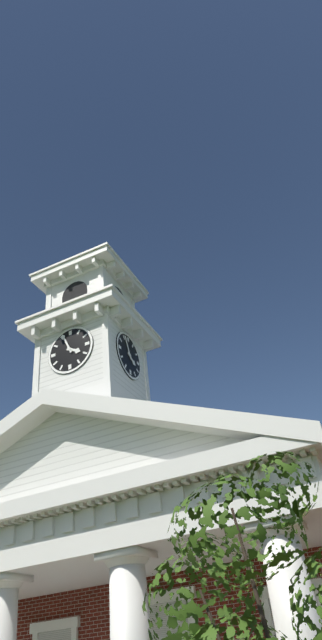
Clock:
3 h 56 min
